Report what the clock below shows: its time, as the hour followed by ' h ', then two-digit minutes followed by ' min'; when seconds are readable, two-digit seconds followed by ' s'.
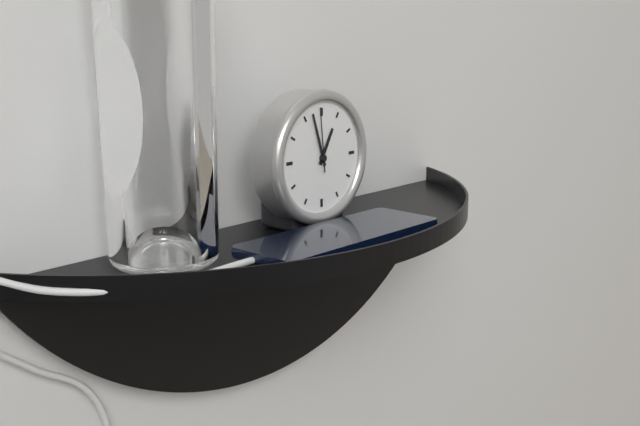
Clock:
12 h 57 min 59 s
